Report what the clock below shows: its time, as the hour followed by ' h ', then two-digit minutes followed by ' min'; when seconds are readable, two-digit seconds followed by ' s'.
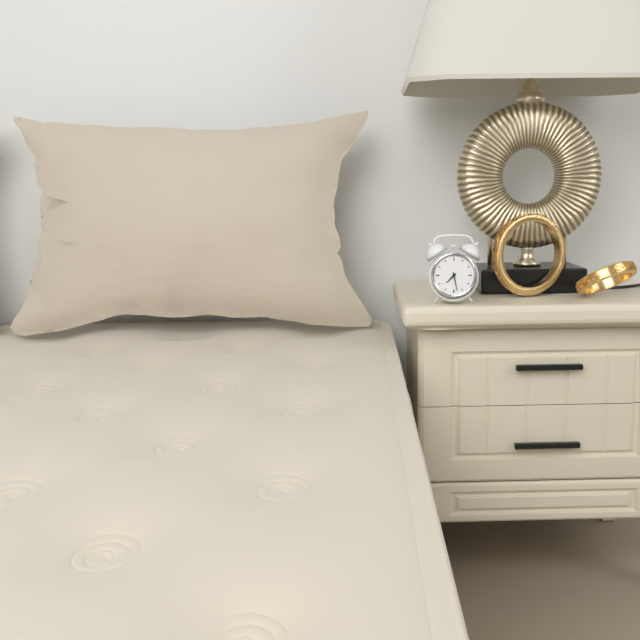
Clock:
7 h 28 min
